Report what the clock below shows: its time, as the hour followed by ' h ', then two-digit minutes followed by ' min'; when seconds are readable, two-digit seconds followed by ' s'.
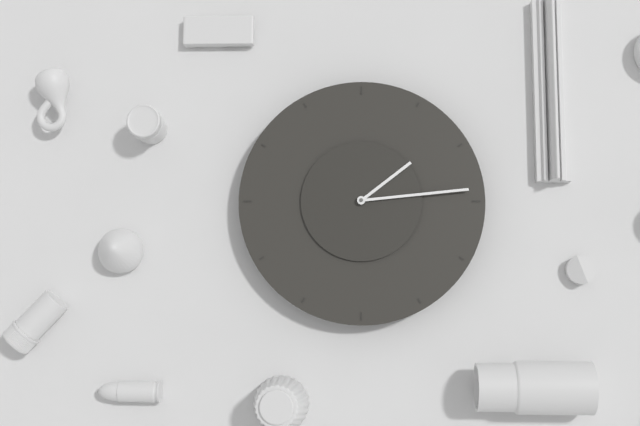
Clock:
7 h 44 min
